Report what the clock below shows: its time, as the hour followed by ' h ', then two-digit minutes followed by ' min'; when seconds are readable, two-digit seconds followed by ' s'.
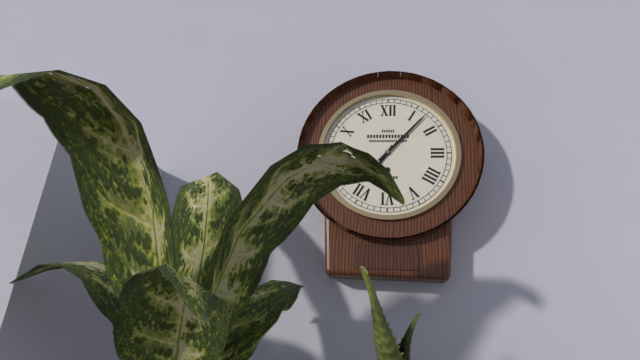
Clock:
7 h 07 min
